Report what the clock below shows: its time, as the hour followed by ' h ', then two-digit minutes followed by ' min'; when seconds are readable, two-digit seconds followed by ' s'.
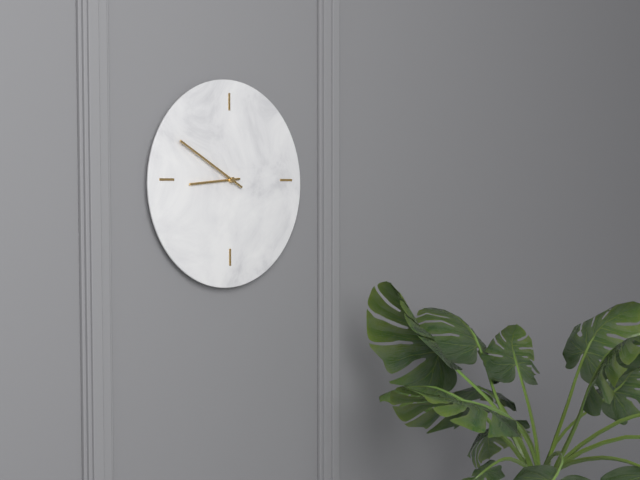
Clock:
8 h 50 min
